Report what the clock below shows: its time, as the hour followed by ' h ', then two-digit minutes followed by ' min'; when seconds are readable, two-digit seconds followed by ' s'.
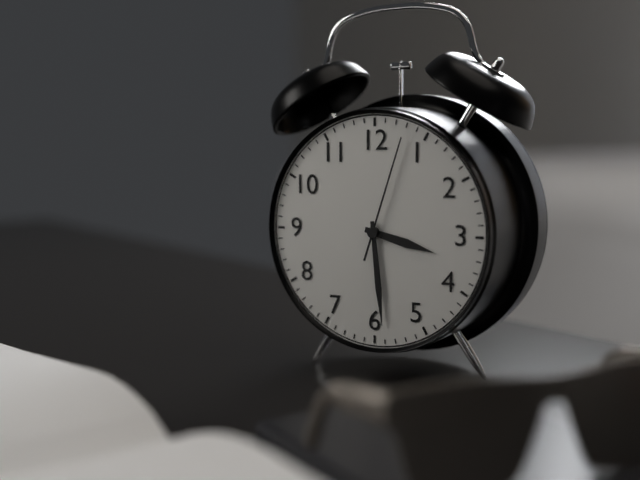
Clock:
3 h 29 min 03 s
